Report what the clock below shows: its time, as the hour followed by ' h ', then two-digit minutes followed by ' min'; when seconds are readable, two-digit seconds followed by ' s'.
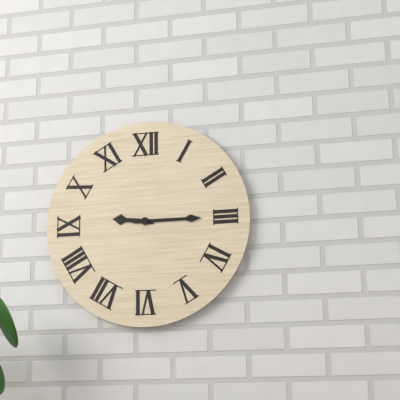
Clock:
9 h 15 min
